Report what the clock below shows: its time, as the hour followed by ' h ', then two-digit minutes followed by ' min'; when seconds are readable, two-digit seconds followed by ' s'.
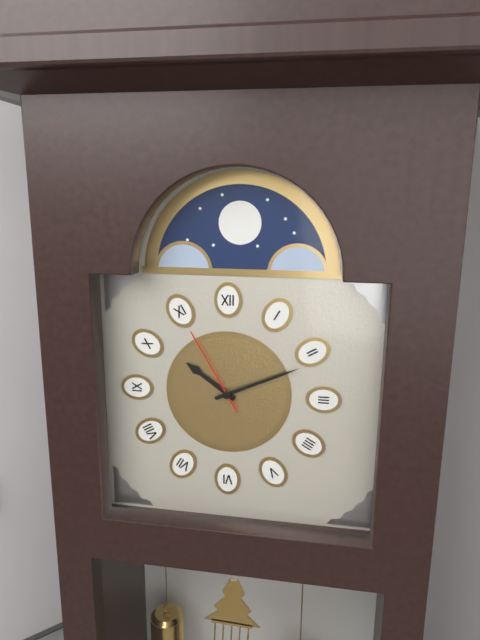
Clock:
10 h 11 min 55 s
